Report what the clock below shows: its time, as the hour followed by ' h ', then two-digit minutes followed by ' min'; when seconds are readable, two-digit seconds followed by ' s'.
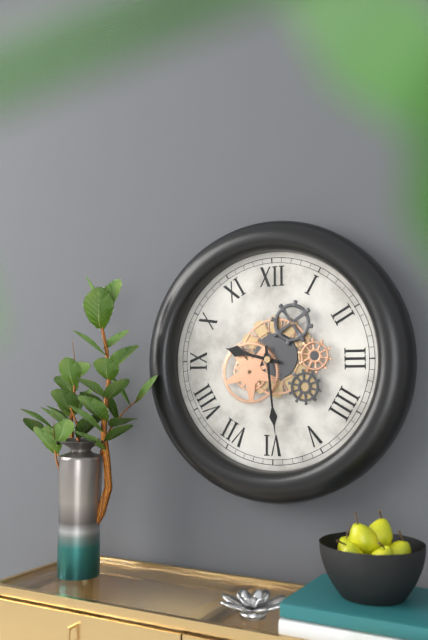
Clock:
9 h 29 min
